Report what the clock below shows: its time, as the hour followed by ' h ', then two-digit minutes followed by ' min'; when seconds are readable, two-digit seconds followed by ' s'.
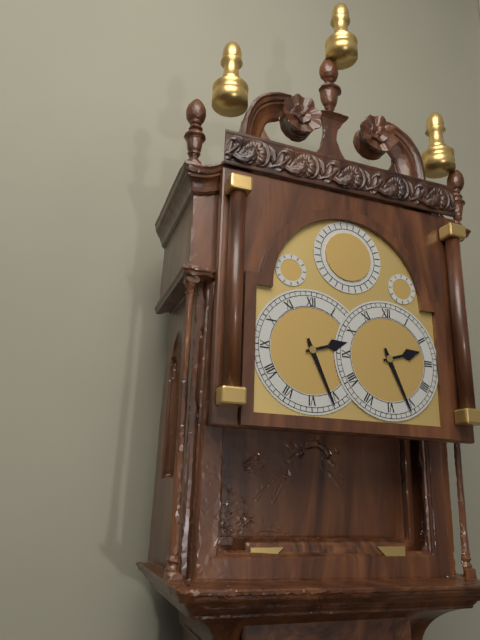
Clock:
2 h 26 min
